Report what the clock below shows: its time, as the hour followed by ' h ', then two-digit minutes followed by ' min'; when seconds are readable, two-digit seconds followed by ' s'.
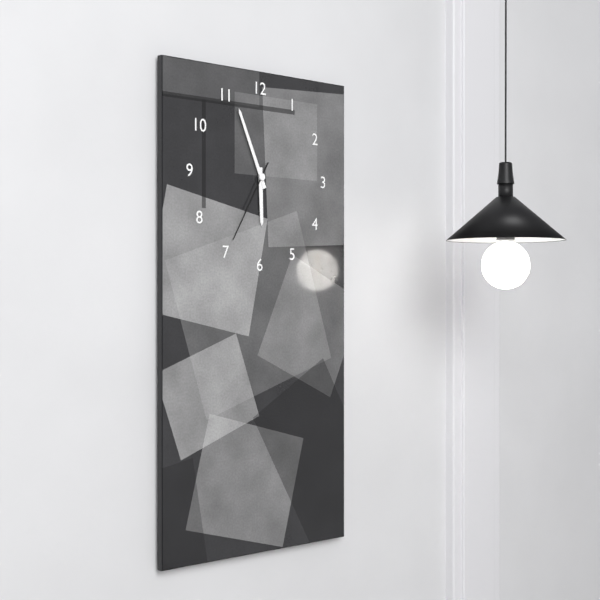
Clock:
5 h 56 min 35 s
